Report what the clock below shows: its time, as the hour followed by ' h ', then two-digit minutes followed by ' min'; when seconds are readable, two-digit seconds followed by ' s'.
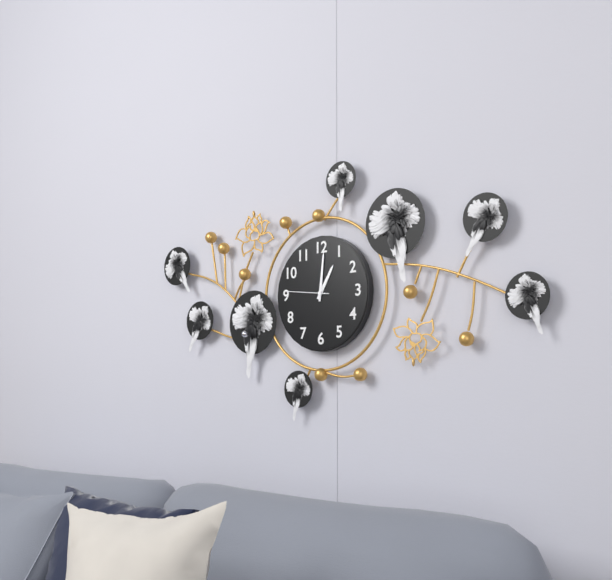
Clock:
1 h 01 min
